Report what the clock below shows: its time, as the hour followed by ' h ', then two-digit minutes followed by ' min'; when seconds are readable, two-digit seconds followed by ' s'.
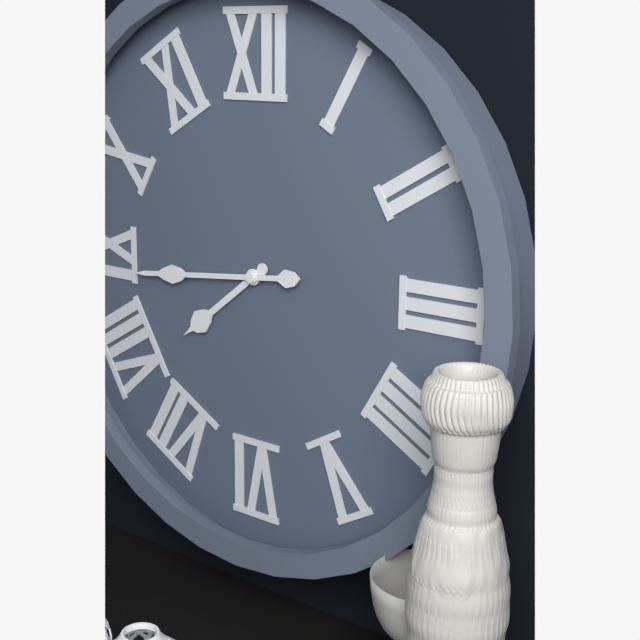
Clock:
7 h 44 min
